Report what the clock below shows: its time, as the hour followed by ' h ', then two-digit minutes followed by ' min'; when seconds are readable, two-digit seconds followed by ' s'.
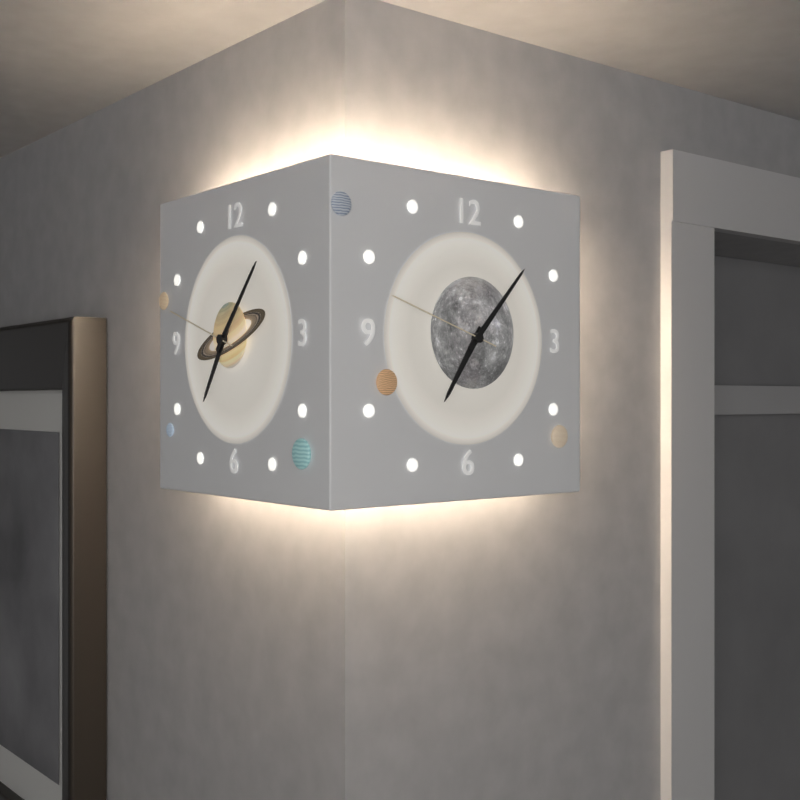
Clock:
7 h 07 min 48 s
